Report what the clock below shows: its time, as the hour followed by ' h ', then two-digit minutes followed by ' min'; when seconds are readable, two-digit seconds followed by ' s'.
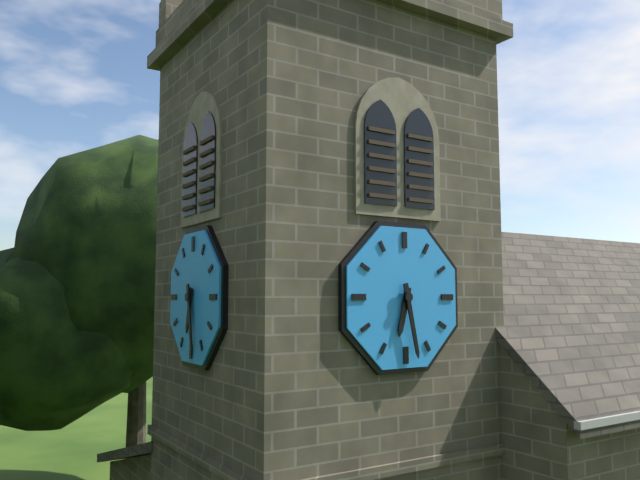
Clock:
6 h 28 min
